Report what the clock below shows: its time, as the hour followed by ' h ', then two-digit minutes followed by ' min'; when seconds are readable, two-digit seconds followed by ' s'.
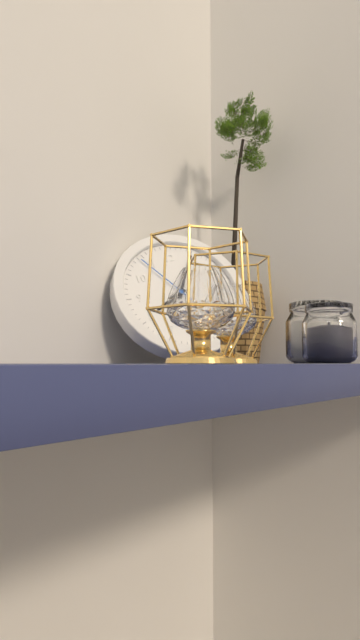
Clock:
8 h 05 min 54 s
